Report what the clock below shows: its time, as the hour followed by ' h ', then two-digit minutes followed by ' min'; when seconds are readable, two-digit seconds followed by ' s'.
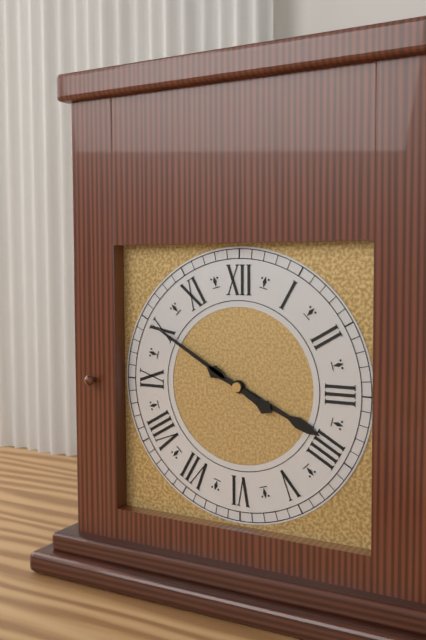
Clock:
3 h 50 min
